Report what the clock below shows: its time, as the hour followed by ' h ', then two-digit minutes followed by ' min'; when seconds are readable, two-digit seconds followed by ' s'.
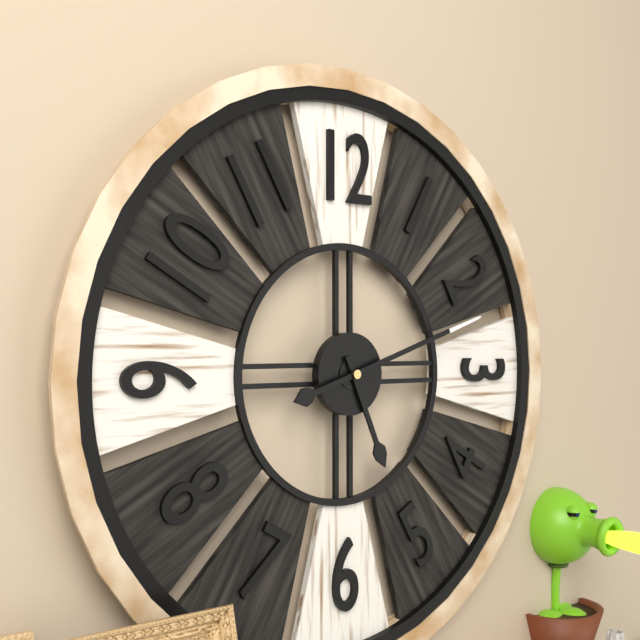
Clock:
5 h 12 min
